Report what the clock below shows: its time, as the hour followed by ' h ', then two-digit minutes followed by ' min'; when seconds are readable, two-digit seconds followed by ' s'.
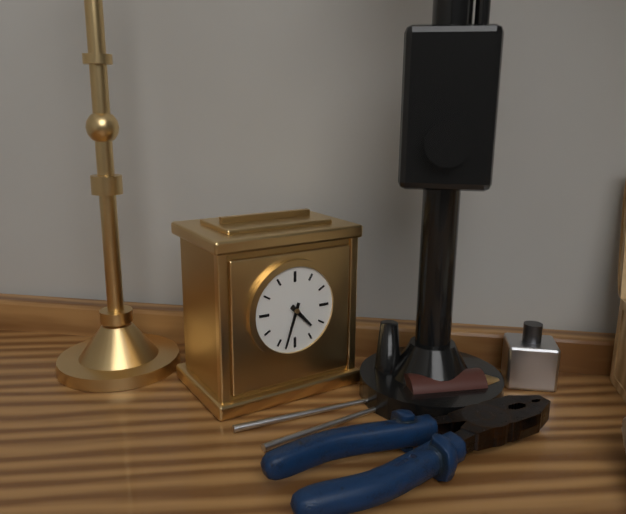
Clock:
4 h 33 min
